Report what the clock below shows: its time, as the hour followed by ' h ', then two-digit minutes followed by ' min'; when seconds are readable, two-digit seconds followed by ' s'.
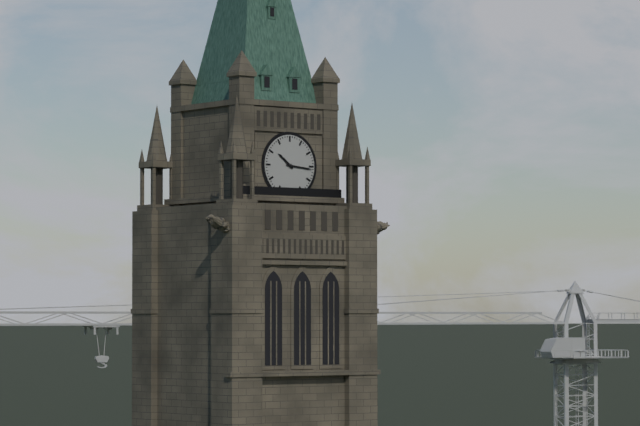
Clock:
10 h 16 min
